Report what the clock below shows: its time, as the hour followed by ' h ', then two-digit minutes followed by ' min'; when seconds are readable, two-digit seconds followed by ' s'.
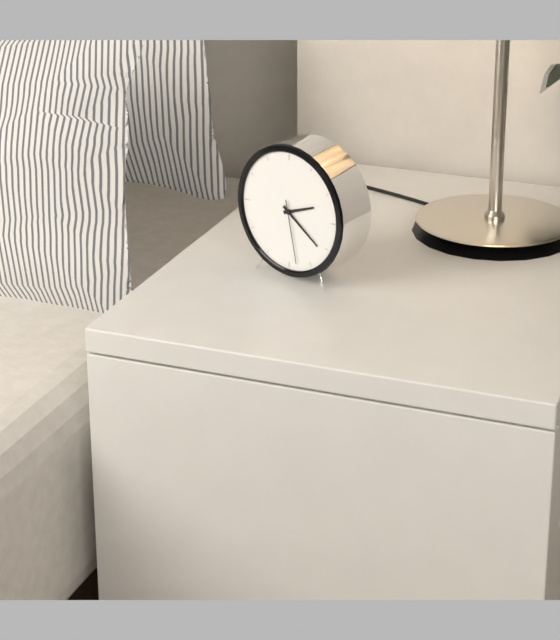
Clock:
2 h 21 min 28 s
